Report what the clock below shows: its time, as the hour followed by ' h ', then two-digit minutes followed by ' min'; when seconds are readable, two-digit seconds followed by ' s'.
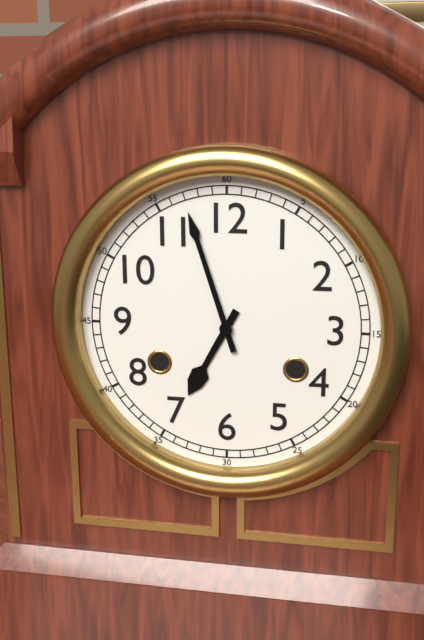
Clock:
6 h 57 min
